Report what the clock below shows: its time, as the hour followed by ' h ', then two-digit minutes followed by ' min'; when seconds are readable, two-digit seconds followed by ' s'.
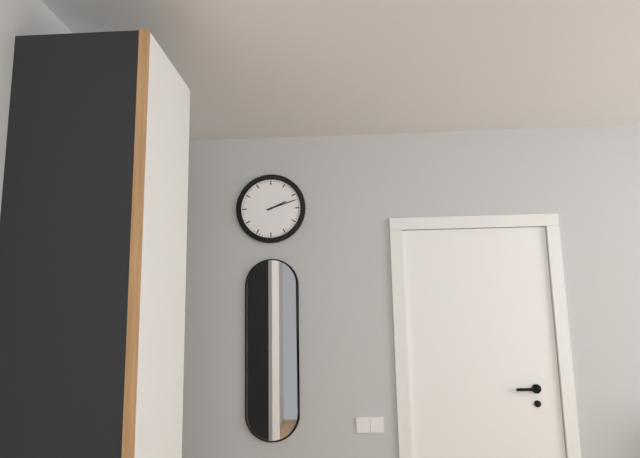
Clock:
2 h 12 min
